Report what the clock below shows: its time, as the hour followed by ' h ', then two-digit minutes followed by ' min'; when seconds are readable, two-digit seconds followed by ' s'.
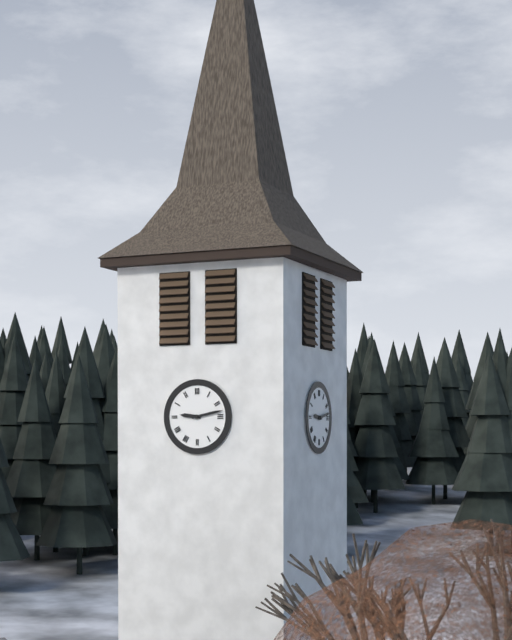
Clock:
9 h 13 min
